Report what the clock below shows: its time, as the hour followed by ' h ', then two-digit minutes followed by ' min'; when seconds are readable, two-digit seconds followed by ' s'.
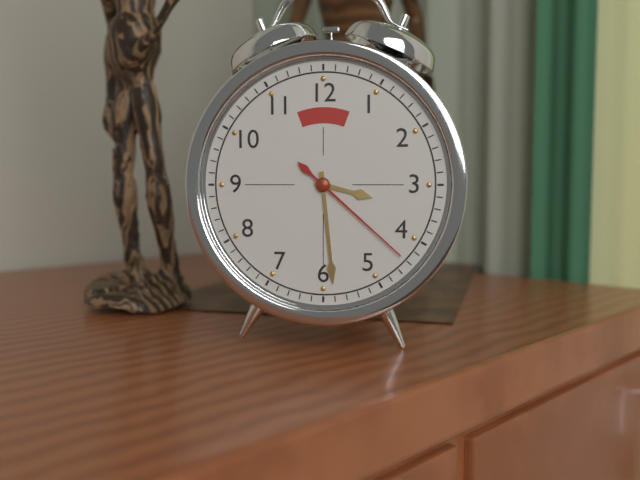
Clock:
3 h 29 min 22 s
